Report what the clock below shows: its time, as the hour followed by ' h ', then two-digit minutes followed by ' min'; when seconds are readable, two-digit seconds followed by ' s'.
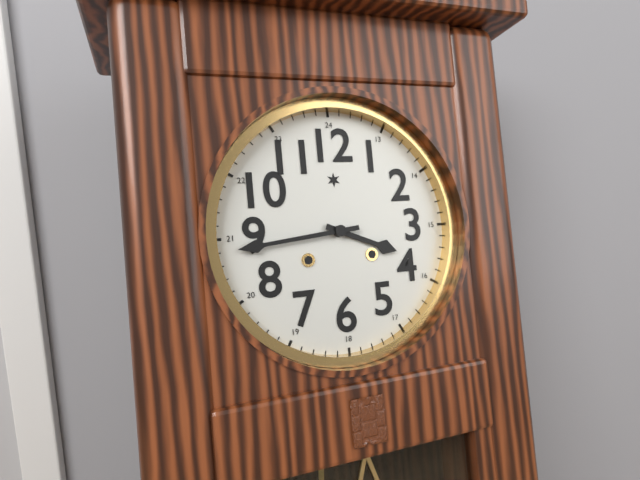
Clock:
3 h 44 min
